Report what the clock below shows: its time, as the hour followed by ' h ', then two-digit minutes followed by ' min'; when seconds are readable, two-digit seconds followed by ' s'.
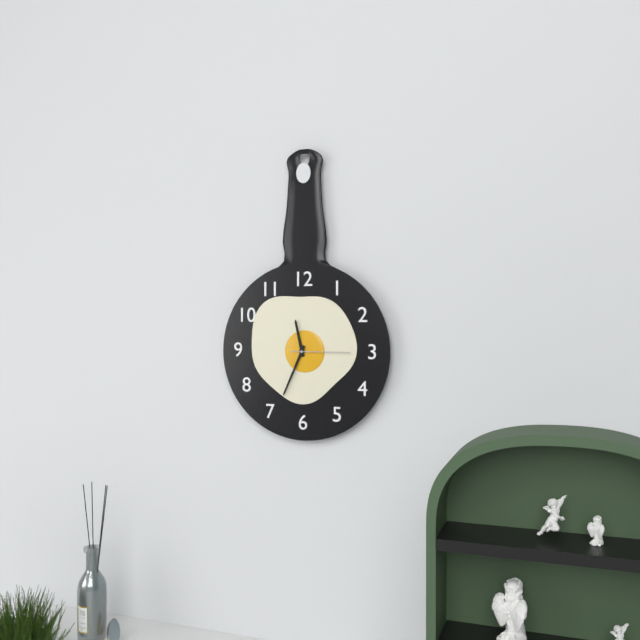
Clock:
11 h 34 min 15 s
